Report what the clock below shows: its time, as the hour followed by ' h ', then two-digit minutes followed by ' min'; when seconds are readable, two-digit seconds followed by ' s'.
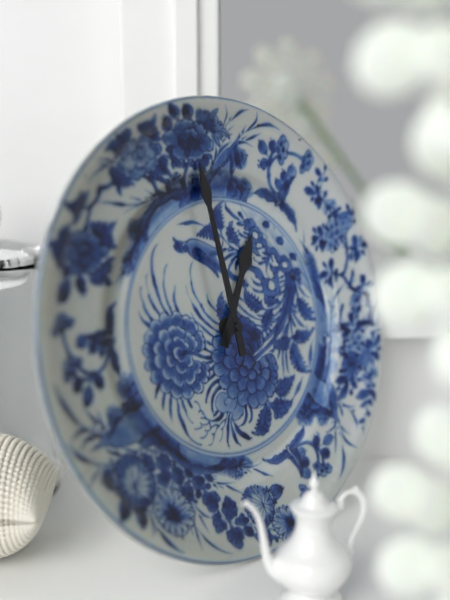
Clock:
12 h 59 min
